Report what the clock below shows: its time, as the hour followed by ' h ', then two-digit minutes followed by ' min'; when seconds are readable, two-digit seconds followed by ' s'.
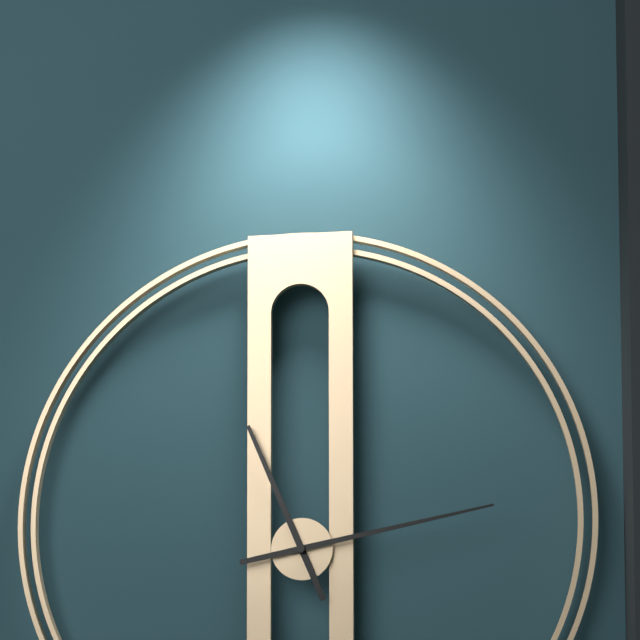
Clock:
11 h 13 min
